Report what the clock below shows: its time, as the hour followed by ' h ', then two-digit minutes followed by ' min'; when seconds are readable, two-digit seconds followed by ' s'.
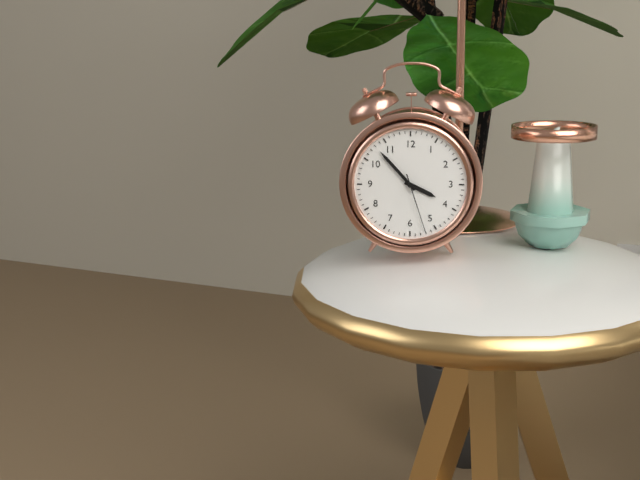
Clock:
3 h 53 min 27 s
